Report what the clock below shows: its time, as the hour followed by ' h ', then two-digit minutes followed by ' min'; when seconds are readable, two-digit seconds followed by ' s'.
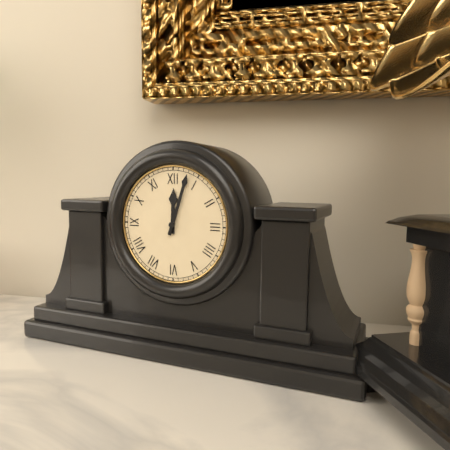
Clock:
12 h 03 min
